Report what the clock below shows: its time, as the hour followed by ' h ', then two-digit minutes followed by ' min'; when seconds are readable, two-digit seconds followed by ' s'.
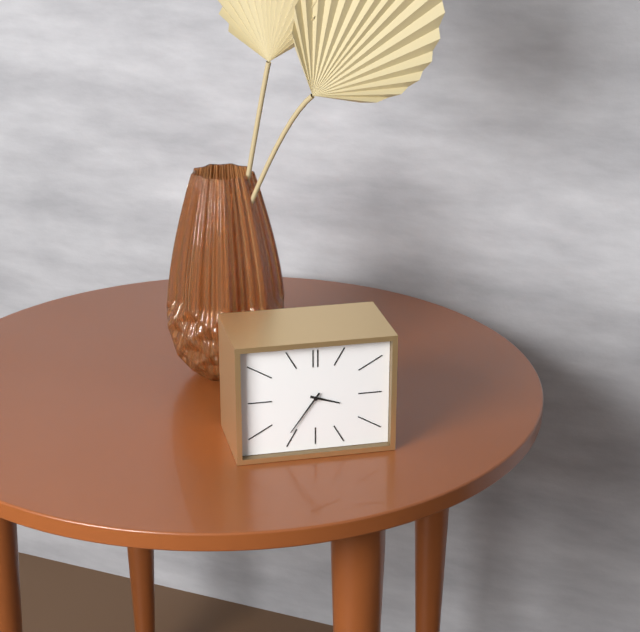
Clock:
3 h 36 min
